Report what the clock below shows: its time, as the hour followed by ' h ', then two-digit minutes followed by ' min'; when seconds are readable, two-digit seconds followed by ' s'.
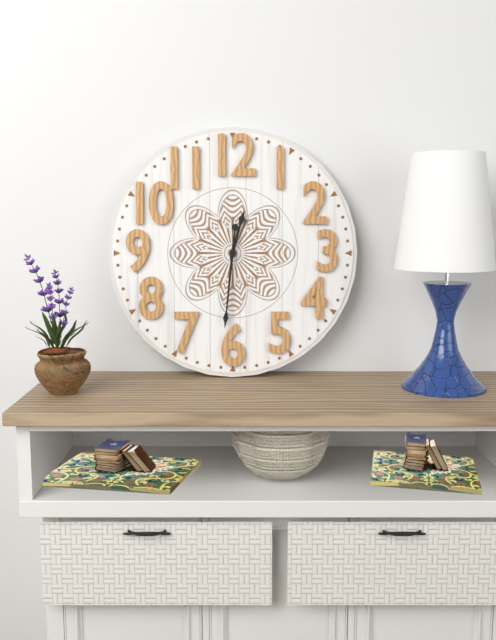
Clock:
12 h 31 min
